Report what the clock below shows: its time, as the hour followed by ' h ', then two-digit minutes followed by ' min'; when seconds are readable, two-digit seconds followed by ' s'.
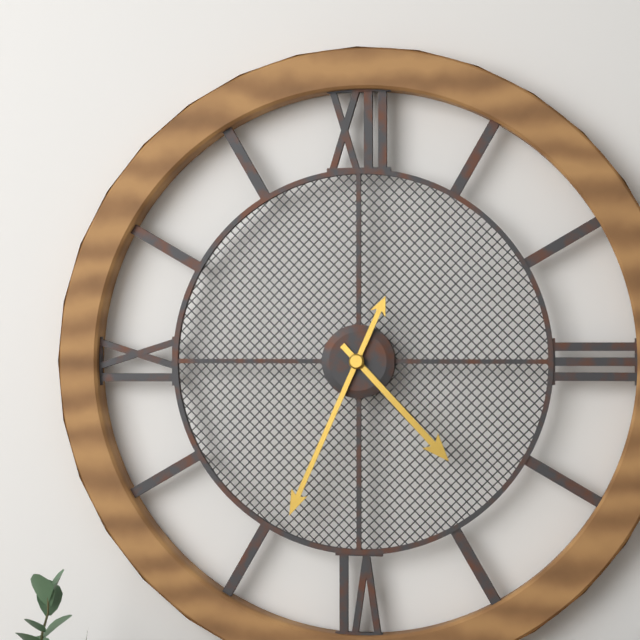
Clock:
4 h 34 min
